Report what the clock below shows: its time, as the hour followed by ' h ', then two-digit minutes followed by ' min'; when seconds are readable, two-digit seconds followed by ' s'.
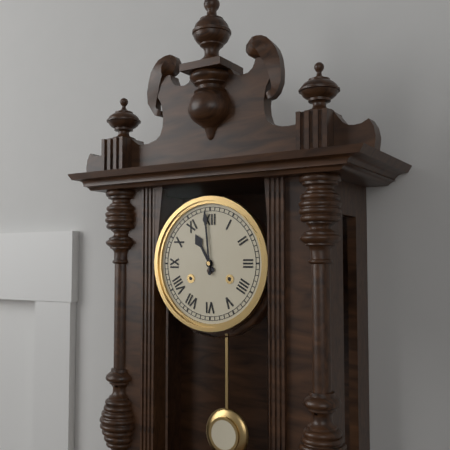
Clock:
10 h 59 min
